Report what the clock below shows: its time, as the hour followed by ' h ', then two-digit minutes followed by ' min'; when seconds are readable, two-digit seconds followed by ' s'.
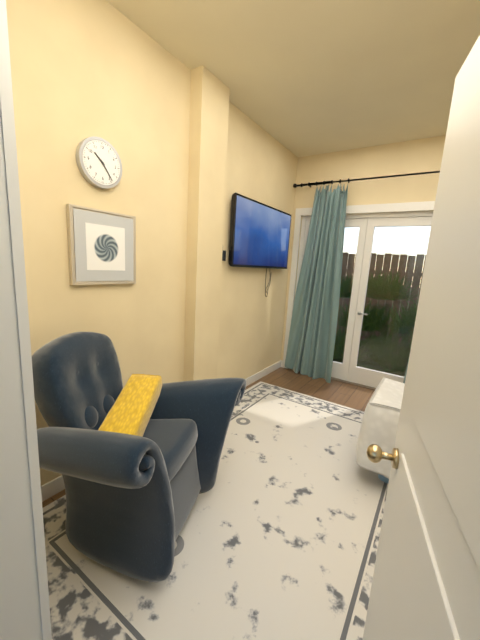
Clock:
10 h 24 min
